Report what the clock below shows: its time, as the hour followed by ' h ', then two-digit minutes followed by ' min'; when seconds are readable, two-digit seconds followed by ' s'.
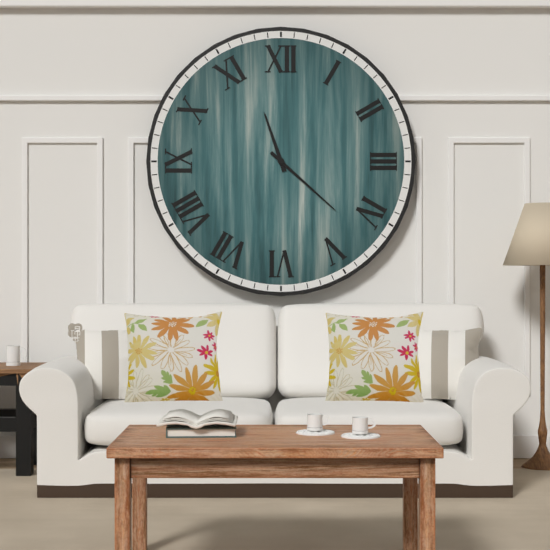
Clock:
11 h 22 min
